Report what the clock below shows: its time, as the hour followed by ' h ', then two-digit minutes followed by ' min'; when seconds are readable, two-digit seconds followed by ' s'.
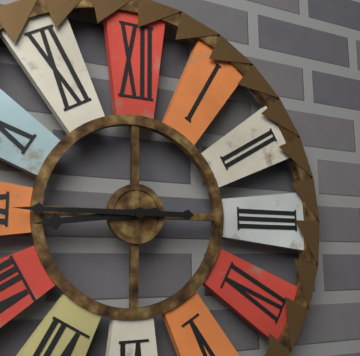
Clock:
8 h 45 min
